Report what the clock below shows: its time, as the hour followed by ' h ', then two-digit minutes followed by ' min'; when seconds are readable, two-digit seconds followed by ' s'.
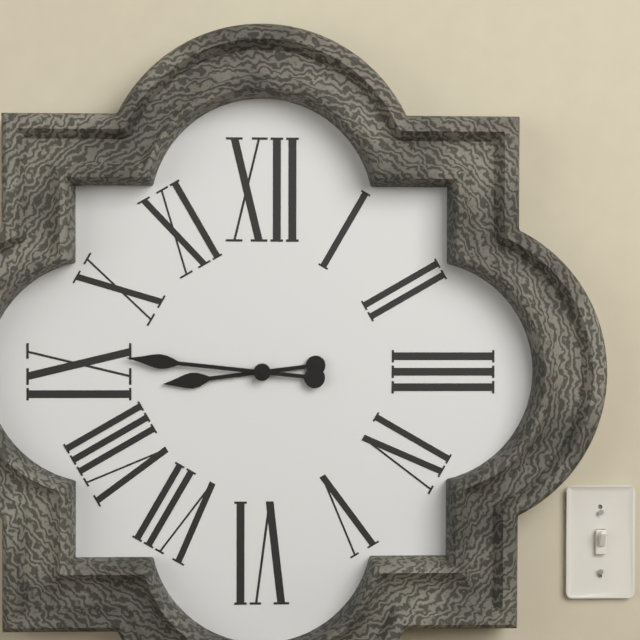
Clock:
8 h 46 min
